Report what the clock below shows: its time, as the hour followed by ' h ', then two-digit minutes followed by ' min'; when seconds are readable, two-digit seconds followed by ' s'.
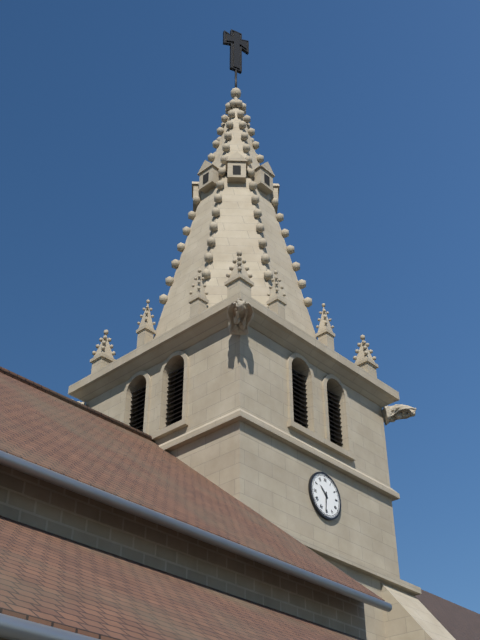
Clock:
10 h 31 min
